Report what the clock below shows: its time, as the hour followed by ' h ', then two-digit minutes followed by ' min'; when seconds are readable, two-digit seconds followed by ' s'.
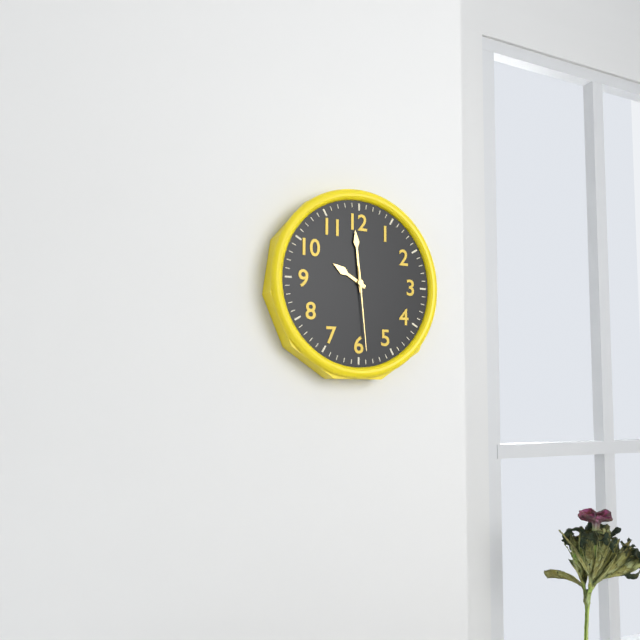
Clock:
9 h 59 min 29 s
